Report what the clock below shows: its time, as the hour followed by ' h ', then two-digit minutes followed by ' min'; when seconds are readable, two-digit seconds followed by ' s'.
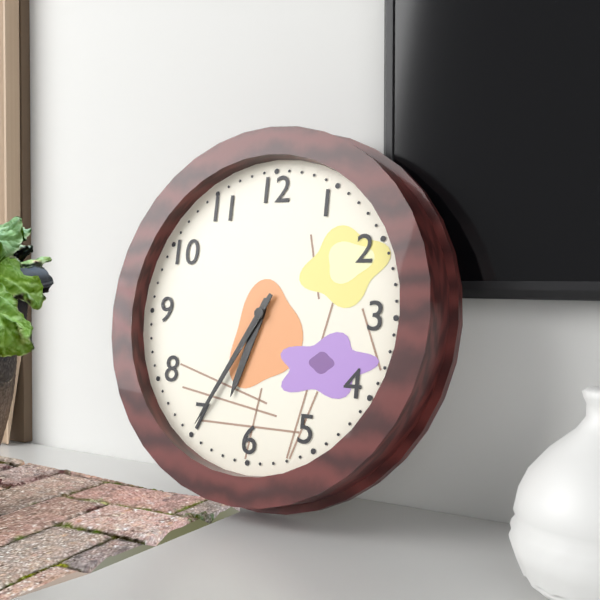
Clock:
6 h 35 min
